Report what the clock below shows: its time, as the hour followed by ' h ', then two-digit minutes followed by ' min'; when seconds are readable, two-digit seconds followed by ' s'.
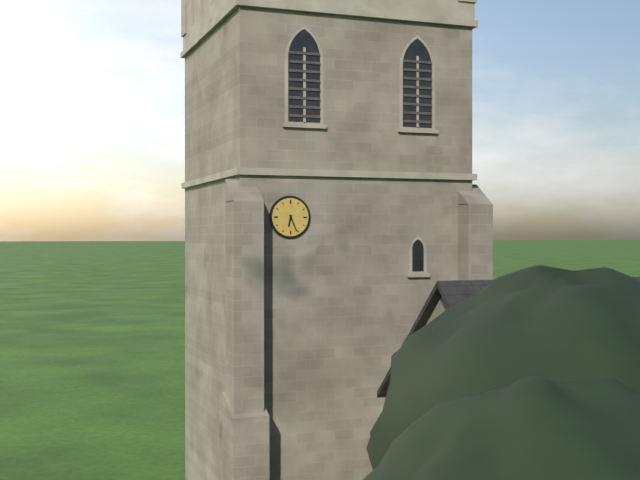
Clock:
6 h 26 min
